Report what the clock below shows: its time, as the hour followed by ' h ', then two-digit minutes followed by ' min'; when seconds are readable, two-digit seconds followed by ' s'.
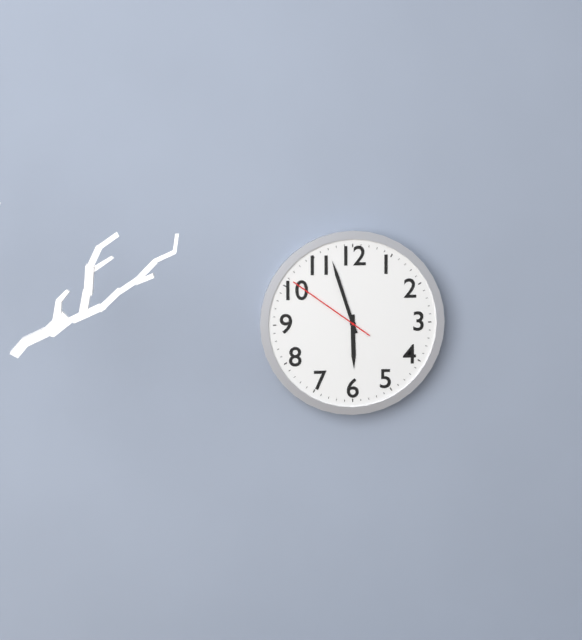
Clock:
5 h 57 min 51 s
